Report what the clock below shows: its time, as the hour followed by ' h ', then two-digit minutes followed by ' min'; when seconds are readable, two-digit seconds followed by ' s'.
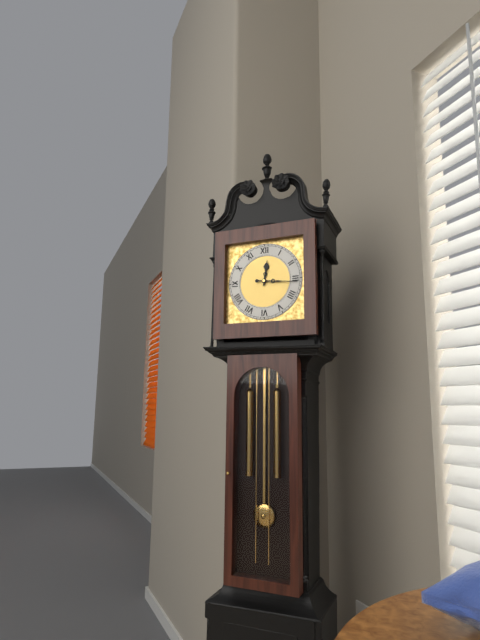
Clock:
12 h 16 min
